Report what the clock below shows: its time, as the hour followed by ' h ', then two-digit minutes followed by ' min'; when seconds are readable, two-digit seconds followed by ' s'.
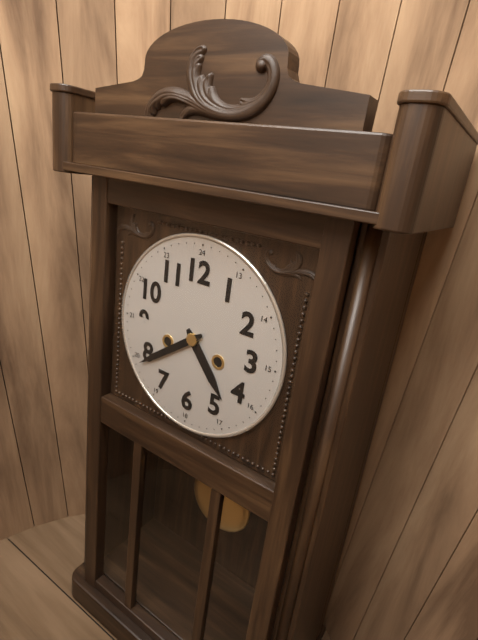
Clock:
4 h 39 min
